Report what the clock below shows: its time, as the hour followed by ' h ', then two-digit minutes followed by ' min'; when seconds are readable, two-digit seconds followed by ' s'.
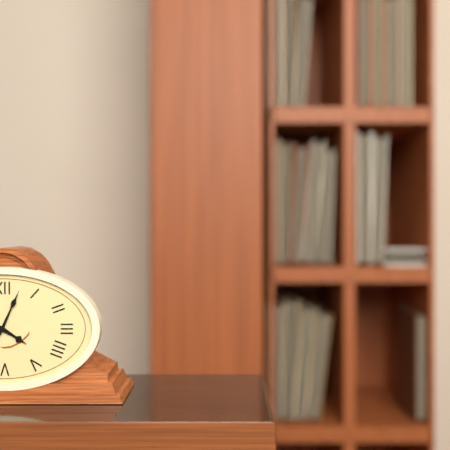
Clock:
4 h 04 min
